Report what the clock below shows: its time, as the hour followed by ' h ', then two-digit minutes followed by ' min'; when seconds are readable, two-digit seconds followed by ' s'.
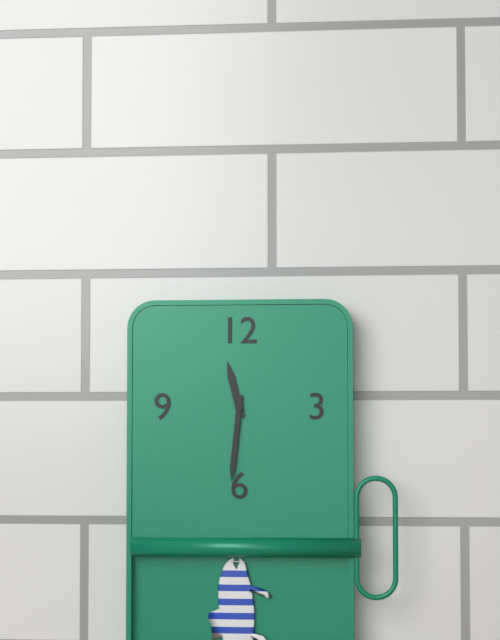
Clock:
11 h 31 min
